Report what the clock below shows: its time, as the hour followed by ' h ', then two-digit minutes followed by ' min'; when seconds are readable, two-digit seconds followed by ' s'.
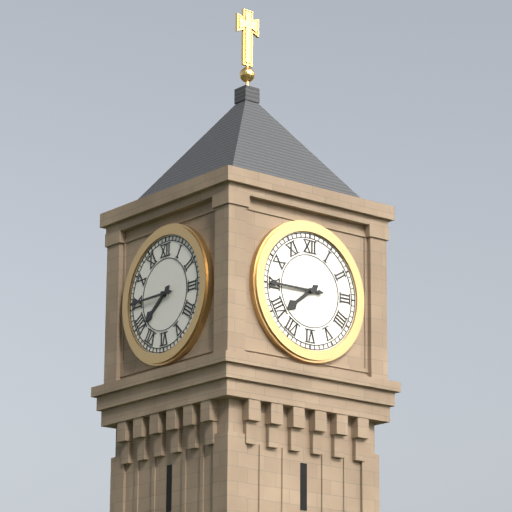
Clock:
7 h 45 min
